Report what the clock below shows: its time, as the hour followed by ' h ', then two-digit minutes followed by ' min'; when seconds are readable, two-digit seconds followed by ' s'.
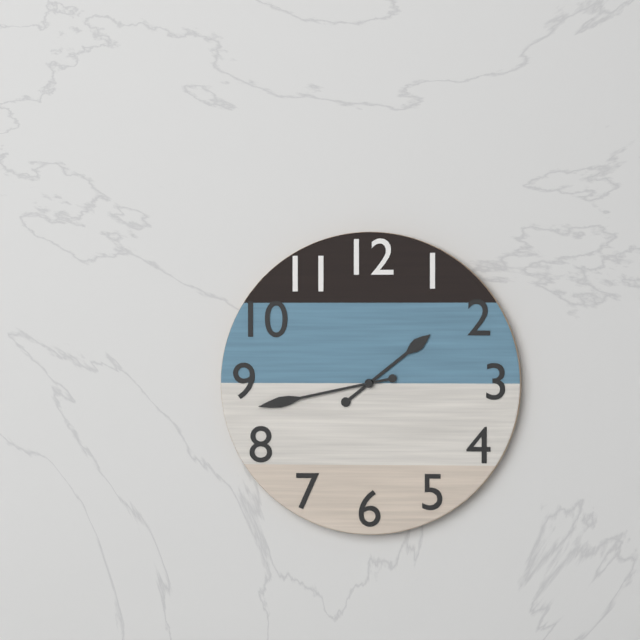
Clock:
1 h 43 min
